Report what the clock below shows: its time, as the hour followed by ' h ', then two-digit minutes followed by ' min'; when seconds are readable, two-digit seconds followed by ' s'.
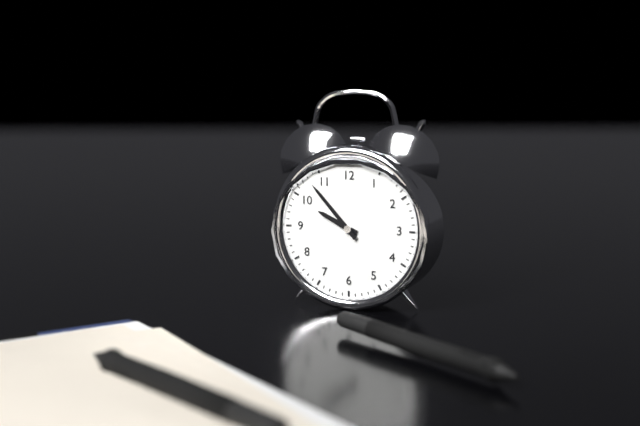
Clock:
9 h 53 min
